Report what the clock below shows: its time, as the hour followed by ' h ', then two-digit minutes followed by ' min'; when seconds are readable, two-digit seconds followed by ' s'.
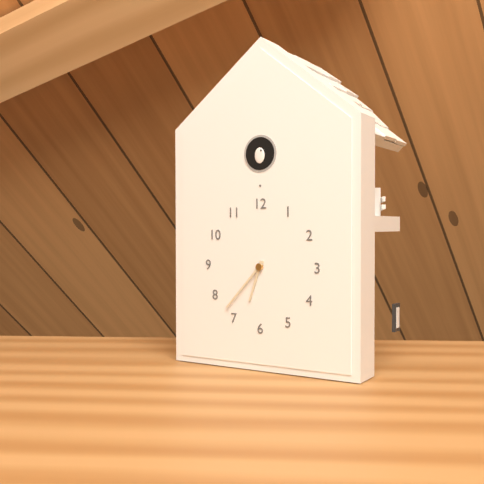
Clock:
6 h 37 min
